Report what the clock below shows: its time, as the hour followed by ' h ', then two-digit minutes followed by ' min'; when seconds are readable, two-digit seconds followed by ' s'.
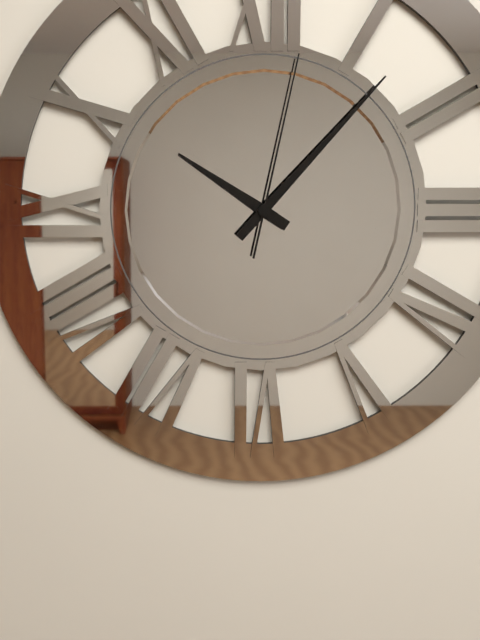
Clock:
10 h 07 min 02 s
